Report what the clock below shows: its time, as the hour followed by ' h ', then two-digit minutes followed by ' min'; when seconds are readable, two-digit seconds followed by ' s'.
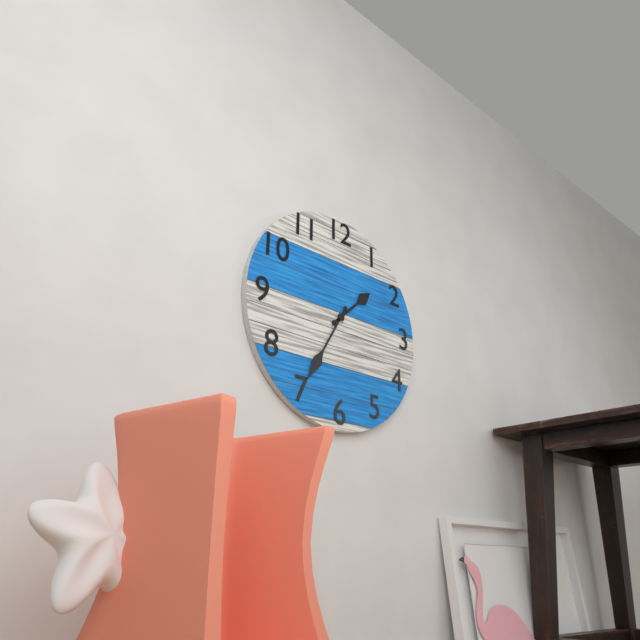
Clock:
1 h 35 min
